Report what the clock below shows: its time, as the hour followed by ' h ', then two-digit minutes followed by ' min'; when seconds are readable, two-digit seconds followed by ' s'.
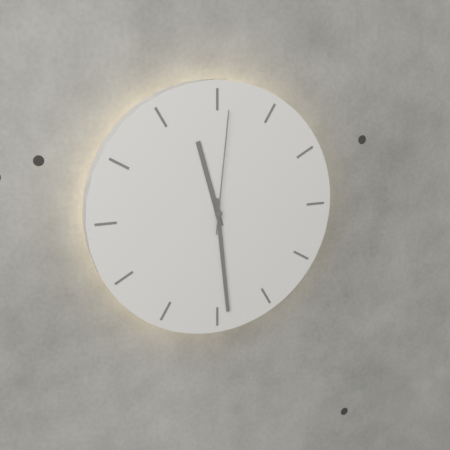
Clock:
11 h 29 min 01 s
